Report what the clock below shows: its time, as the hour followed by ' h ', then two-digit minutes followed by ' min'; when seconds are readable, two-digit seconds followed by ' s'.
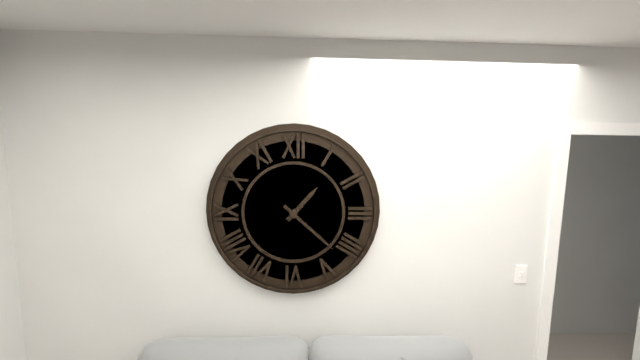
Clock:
1 h 22 min
